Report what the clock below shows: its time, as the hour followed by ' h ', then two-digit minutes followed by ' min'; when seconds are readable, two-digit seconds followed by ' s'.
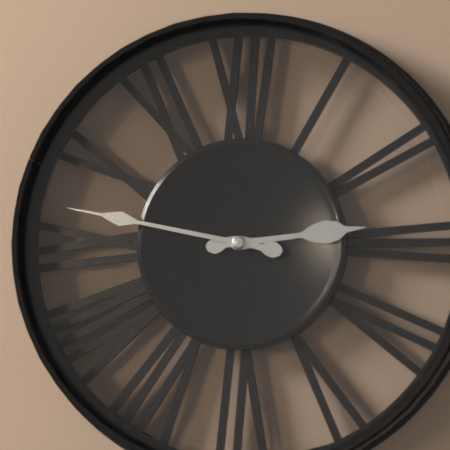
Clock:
2 h 47 min
